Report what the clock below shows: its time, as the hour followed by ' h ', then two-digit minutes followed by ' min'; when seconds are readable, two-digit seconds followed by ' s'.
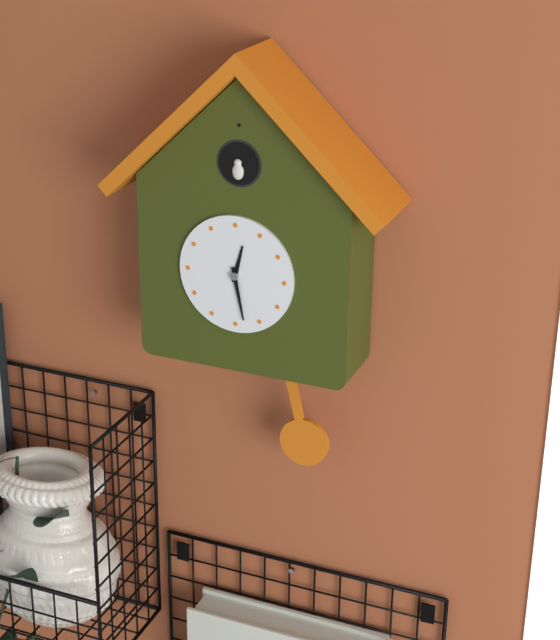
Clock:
12 h 28 min
